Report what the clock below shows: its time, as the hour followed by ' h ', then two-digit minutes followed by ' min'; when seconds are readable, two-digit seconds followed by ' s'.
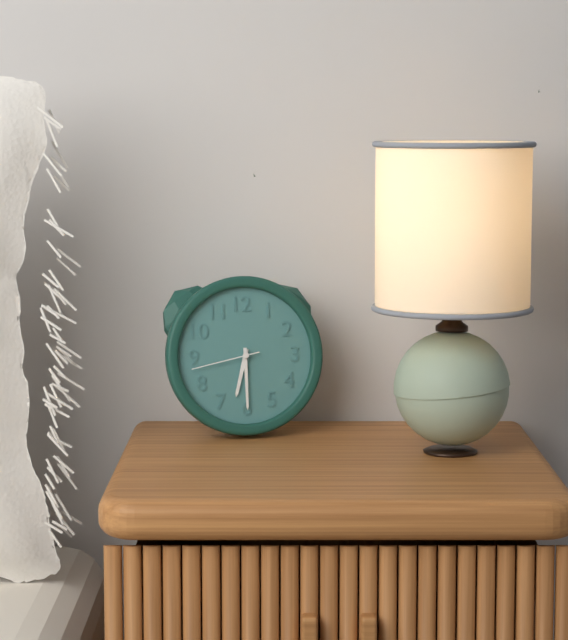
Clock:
6 h 30 min 43 s
